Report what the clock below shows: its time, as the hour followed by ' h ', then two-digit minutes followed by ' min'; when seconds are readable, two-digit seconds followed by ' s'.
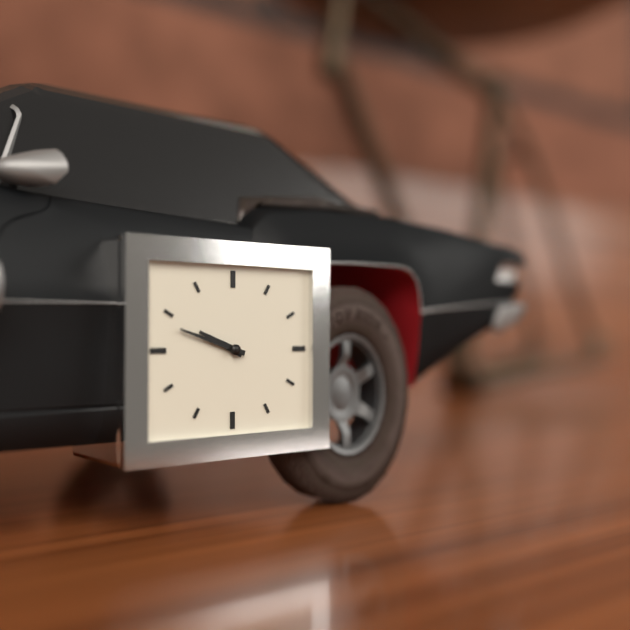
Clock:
9 h 48 min
